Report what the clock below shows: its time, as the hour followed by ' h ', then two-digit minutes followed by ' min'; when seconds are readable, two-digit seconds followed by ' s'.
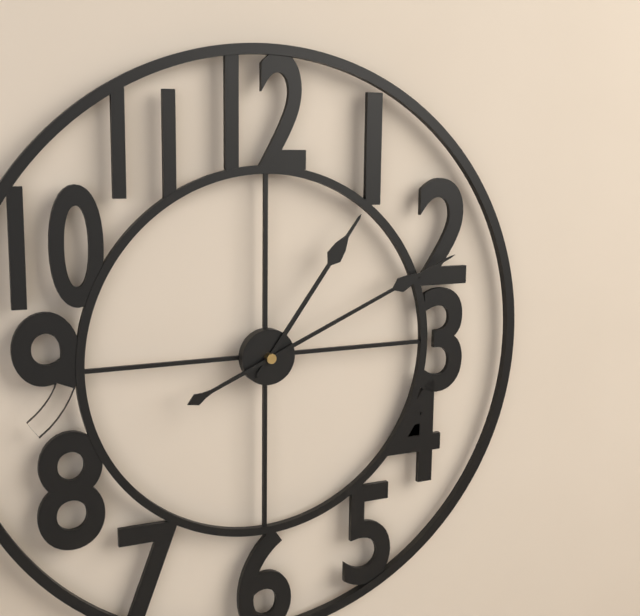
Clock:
1 h 11 min
